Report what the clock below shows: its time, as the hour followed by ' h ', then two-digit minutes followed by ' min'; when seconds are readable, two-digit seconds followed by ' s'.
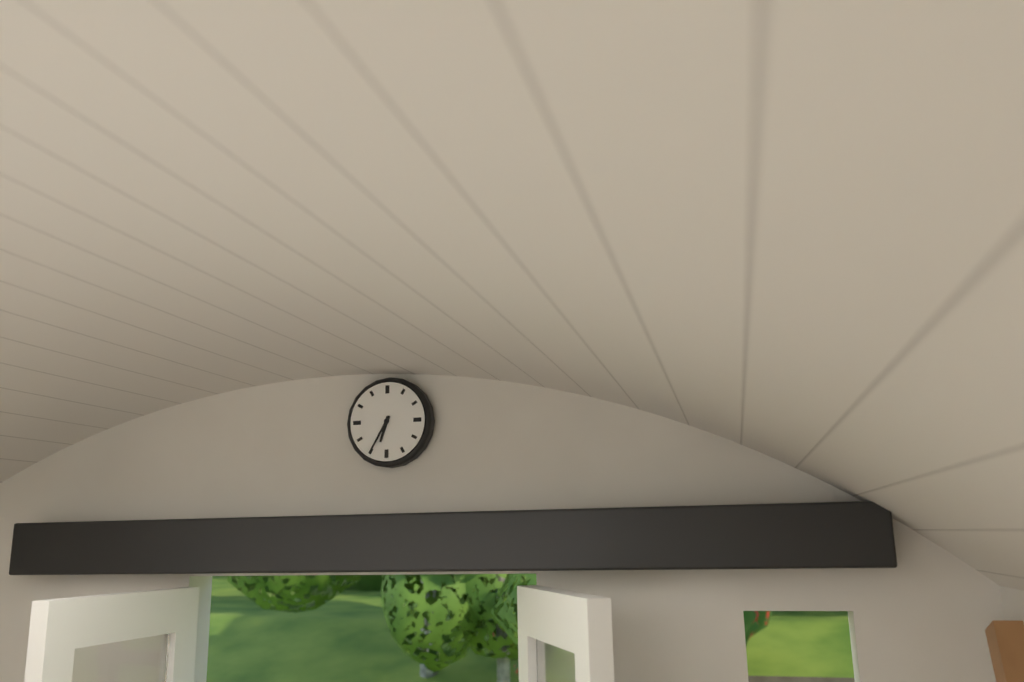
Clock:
6 h 35 min
